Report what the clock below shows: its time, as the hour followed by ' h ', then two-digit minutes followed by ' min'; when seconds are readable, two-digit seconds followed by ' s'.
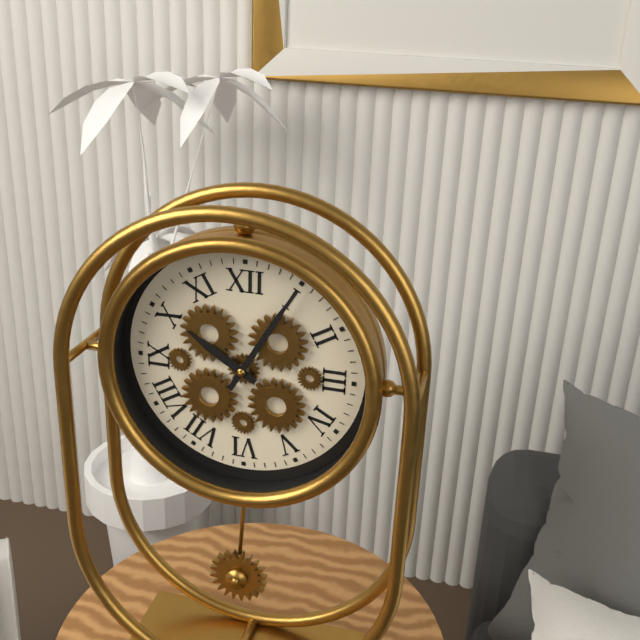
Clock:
10 h 05 min
